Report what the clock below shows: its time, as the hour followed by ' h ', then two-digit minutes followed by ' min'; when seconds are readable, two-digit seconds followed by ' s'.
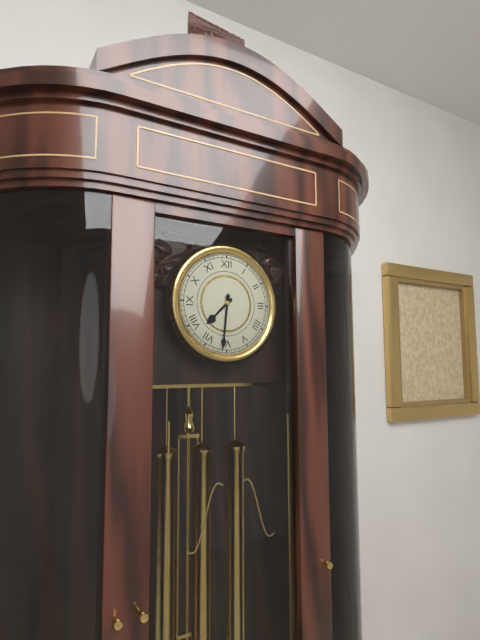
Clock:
7 h 31 min
